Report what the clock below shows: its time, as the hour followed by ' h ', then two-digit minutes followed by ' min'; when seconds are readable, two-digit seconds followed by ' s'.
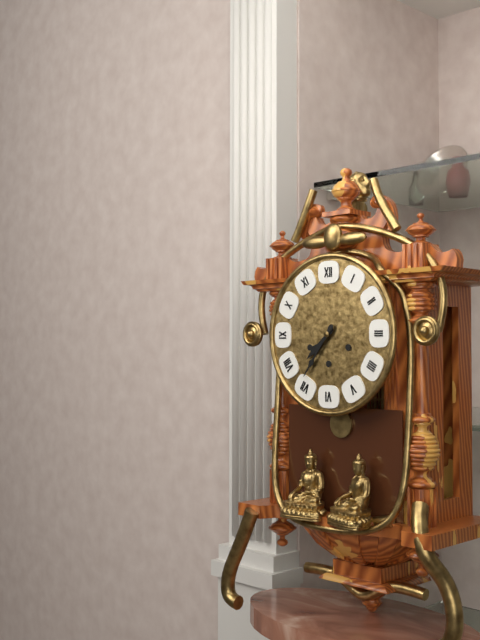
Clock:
7 h 36 min
